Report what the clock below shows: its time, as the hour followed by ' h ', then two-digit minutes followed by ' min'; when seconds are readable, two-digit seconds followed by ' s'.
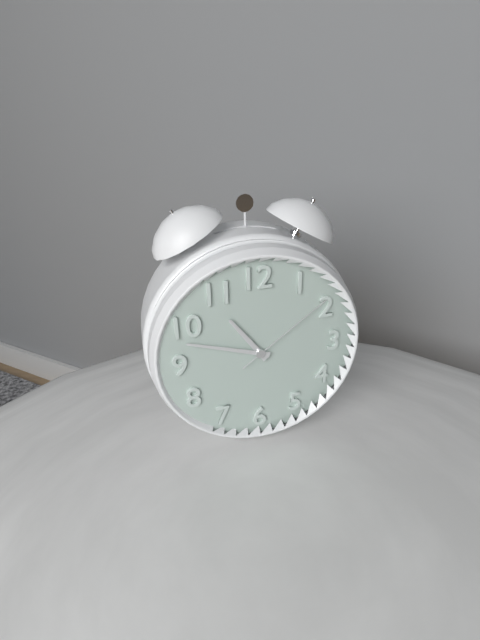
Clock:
10 h 48 min 09 s
